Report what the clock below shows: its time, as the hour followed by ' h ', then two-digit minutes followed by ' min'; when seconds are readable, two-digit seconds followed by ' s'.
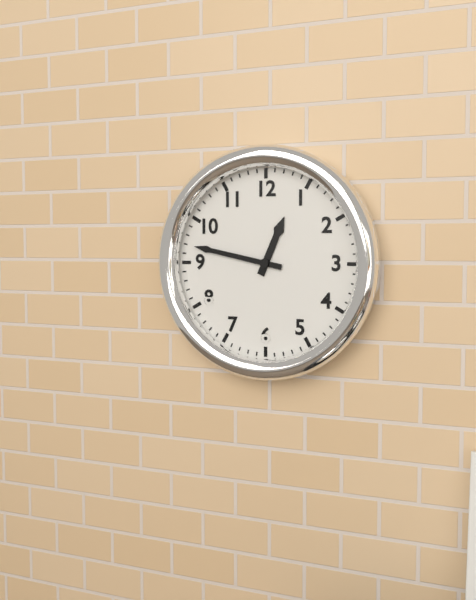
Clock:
12 h 47 min
